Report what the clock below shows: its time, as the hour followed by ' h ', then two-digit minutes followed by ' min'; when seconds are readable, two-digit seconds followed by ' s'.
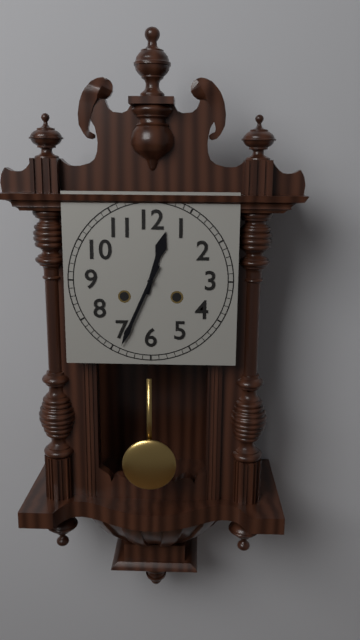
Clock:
12 h 34 min
